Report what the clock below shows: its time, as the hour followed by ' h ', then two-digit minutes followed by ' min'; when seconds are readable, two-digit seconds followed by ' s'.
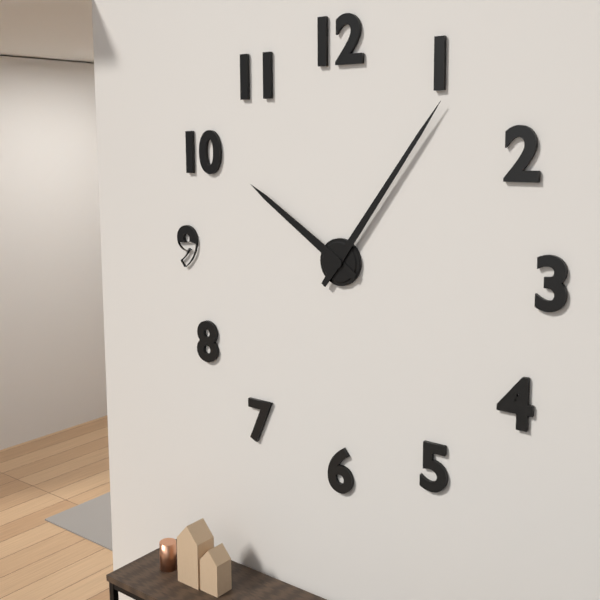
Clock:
10 h 06 min
